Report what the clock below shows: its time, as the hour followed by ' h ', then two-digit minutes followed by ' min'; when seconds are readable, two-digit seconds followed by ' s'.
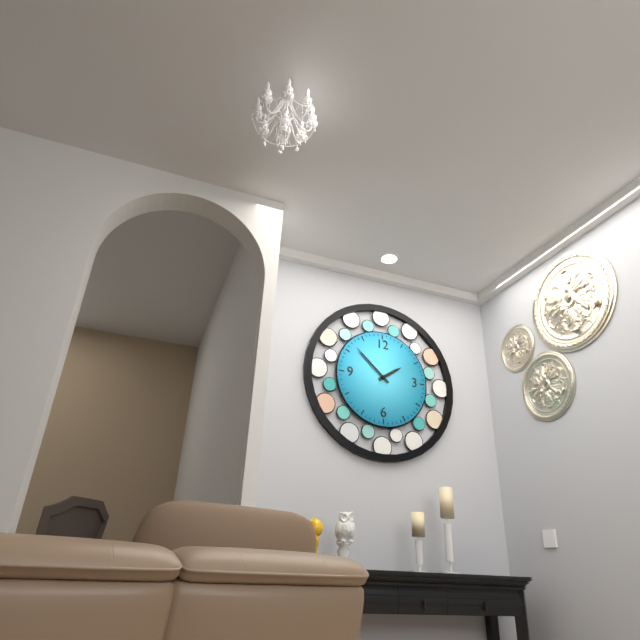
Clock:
1 h 52 min
